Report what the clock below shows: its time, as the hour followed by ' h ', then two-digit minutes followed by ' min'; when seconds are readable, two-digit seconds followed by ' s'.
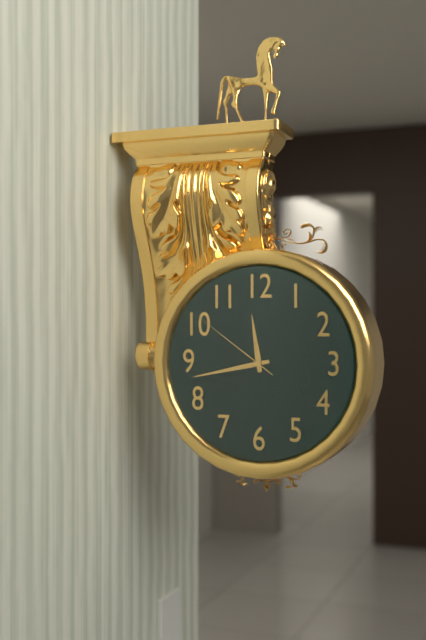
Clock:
11 h 43 min 51 s
